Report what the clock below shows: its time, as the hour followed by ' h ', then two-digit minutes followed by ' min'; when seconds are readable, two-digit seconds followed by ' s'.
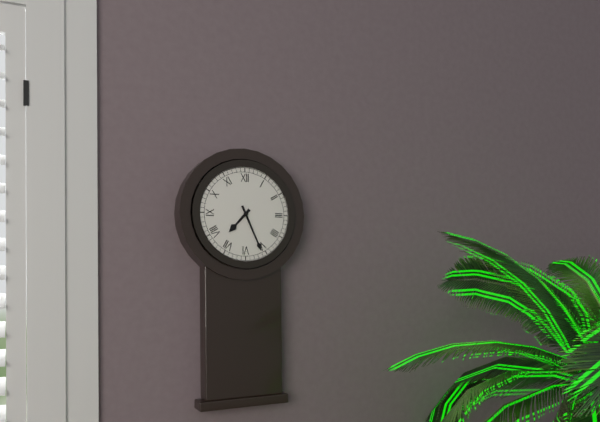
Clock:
7 h 26 min
